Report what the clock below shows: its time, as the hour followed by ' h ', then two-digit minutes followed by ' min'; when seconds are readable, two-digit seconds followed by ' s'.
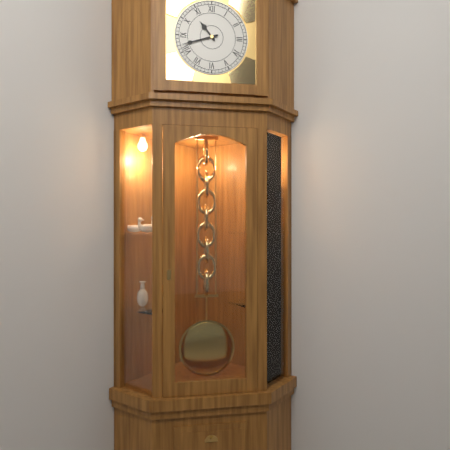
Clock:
10 h 42 min
